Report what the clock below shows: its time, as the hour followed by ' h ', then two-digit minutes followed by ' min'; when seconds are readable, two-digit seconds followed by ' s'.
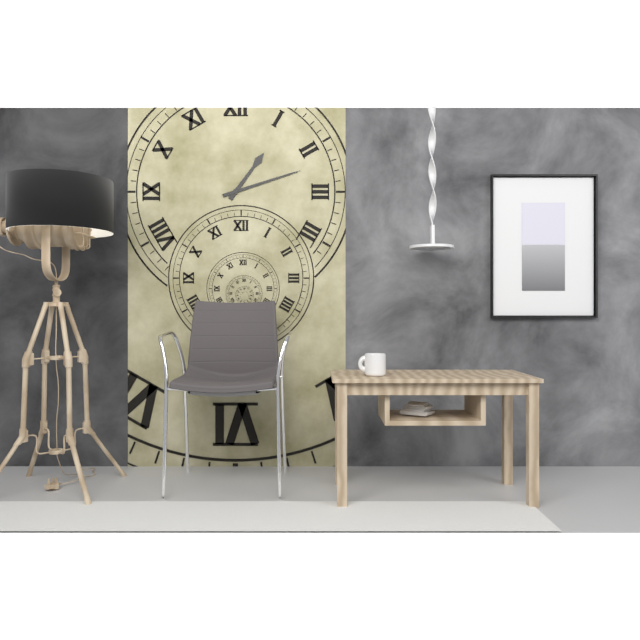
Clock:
1 h 12 min
